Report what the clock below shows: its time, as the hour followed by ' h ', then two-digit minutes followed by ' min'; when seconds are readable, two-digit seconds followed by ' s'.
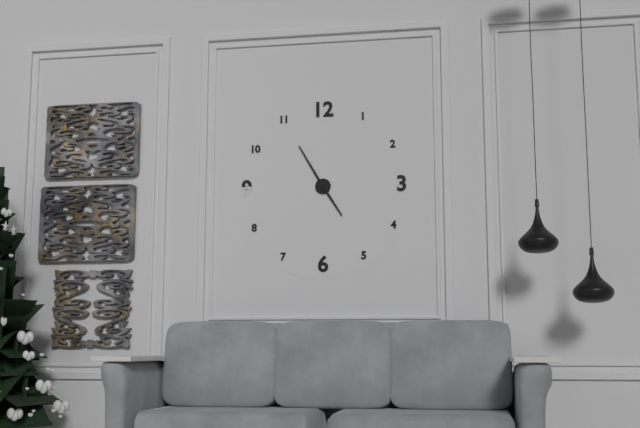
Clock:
4 h 55 min
